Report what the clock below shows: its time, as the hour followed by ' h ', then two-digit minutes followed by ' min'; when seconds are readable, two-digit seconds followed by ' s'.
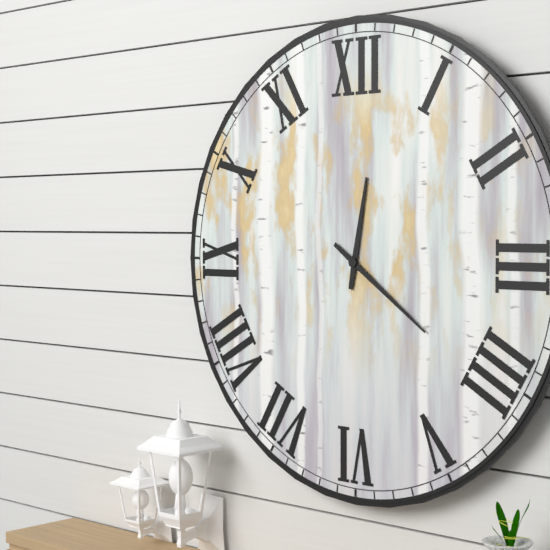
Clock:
12 h 21 min
